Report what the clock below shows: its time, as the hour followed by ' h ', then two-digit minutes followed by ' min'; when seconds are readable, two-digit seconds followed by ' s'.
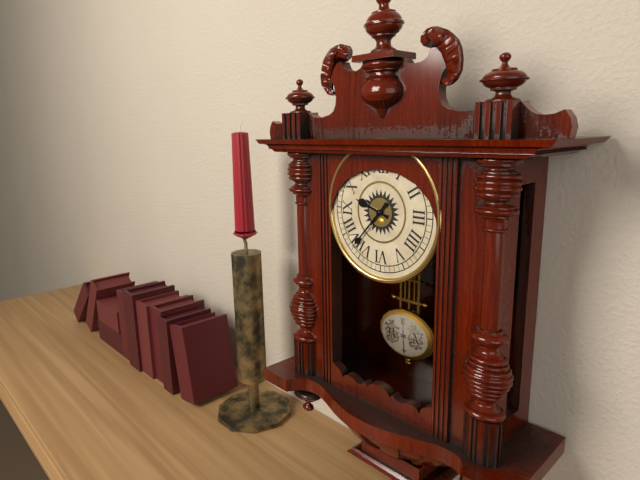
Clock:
9 h 37 min
